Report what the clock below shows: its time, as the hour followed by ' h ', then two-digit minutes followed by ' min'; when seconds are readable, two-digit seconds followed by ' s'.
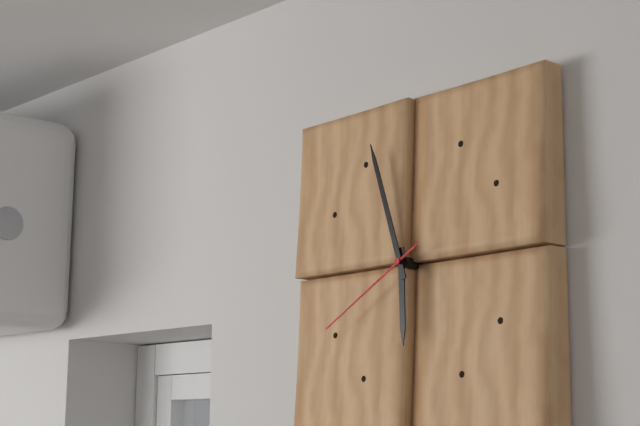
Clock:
5 h 57 min 40 s
